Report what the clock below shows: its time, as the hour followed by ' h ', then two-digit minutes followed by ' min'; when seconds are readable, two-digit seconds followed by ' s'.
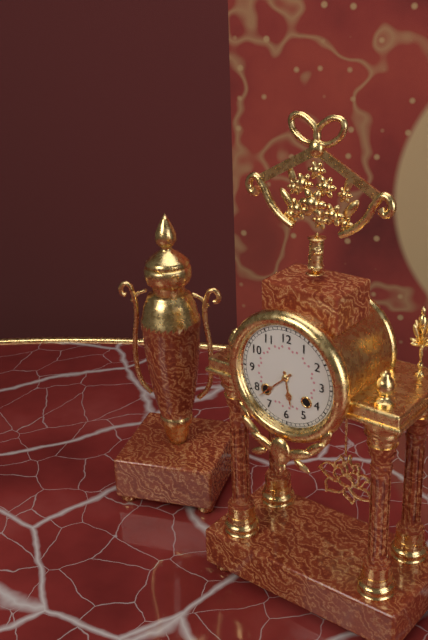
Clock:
5 h 38 min
